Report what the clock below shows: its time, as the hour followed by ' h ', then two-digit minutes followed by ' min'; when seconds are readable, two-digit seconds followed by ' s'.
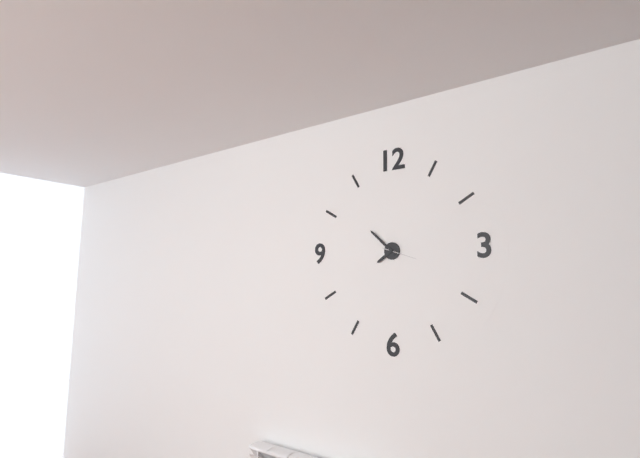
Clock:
7 h 52 min
